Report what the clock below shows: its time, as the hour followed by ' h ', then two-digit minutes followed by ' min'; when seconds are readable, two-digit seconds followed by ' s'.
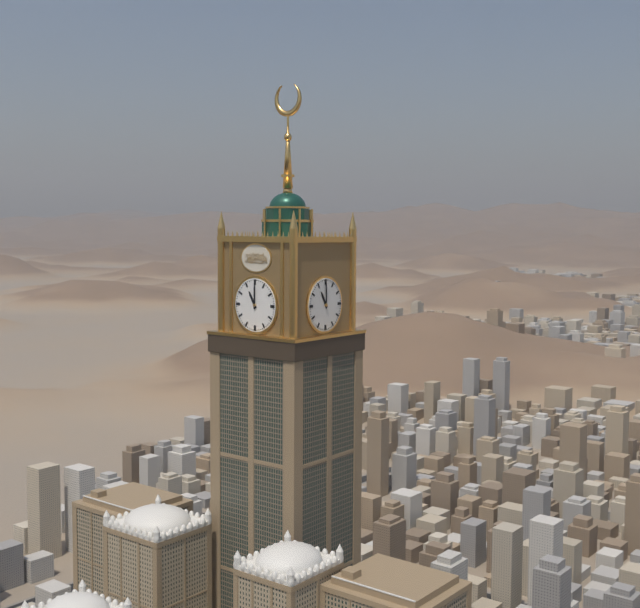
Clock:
11 h 00 min
